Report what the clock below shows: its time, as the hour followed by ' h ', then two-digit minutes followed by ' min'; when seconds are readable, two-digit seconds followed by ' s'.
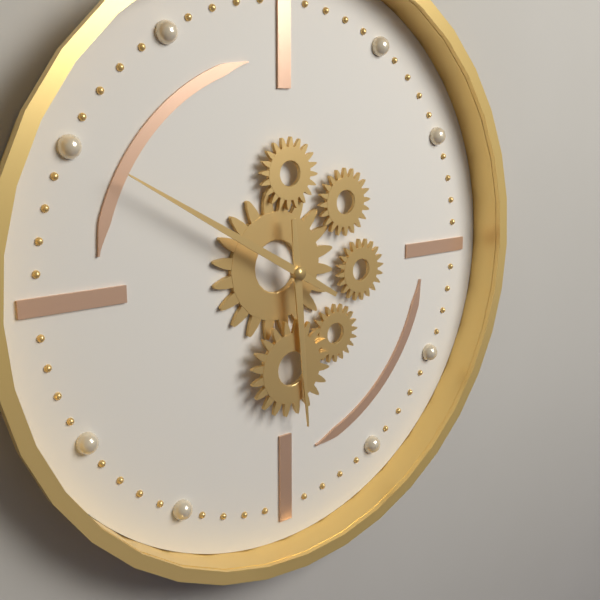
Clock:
5 h 50 min
